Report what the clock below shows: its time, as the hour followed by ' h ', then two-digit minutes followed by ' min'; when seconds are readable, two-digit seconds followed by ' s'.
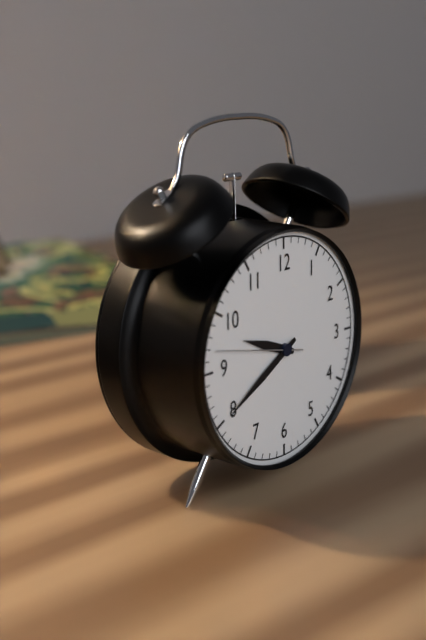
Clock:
9 h 40 min 47 s
